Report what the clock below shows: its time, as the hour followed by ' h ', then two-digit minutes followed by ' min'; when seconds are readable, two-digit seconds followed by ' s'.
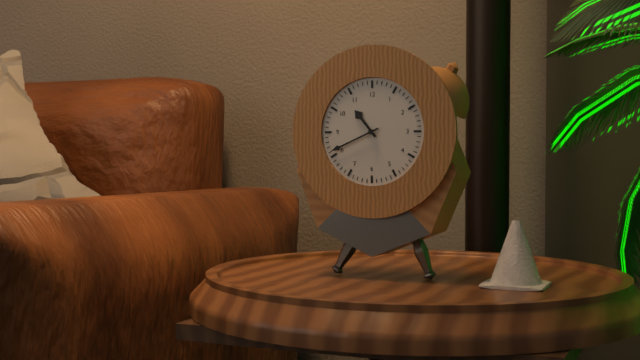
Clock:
10 h 41 min
